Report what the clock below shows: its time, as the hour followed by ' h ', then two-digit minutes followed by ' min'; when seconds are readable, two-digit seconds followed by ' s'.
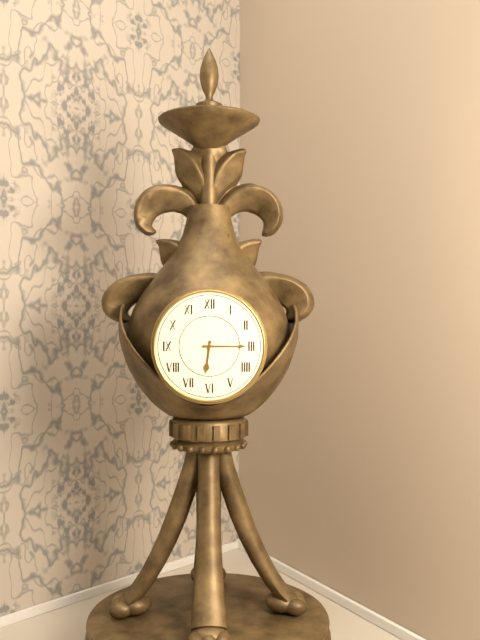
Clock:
6 h 15 min
